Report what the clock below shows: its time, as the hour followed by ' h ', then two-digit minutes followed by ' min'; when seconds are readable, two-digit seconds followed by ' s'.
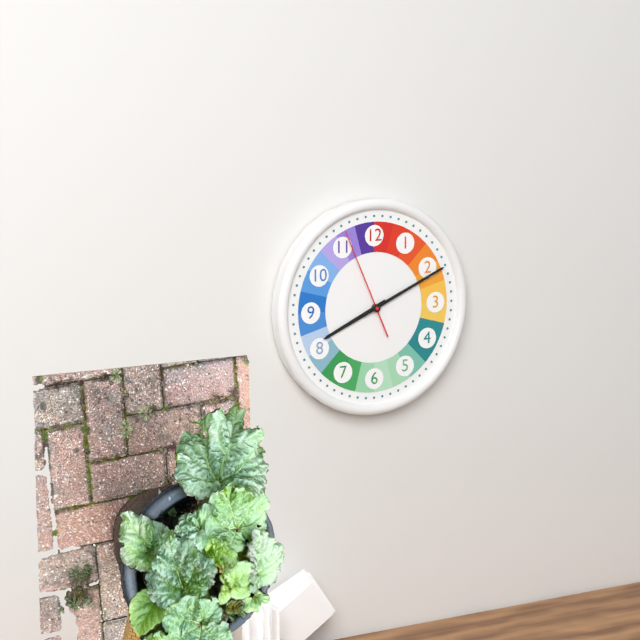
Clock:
8 h 11 min 56 s
